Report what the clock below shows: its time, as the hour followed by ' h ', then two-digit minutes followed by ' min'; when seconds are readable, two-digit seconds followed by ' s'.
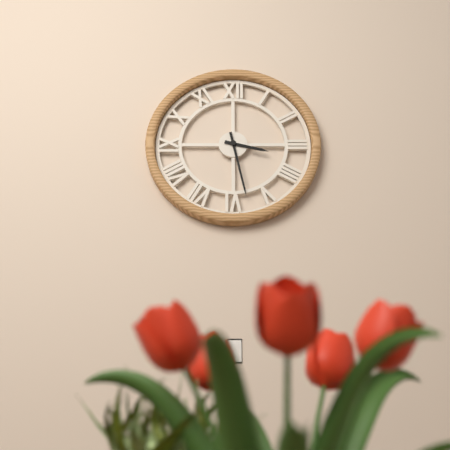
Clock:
3 h 28 min
